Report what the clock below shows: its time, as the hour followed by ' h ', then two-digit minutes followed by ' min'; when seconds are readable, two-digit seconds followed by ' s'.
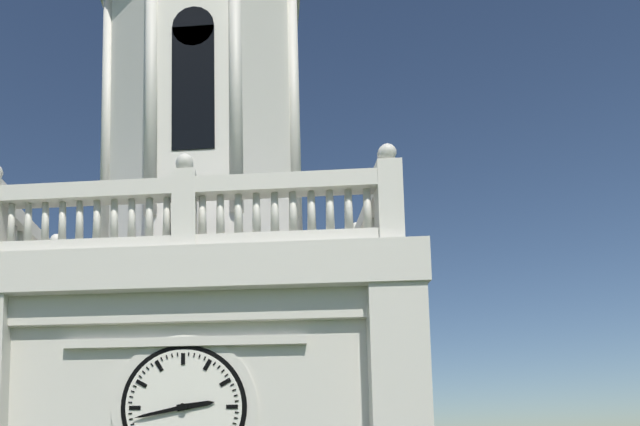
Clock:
2 h 43 min
